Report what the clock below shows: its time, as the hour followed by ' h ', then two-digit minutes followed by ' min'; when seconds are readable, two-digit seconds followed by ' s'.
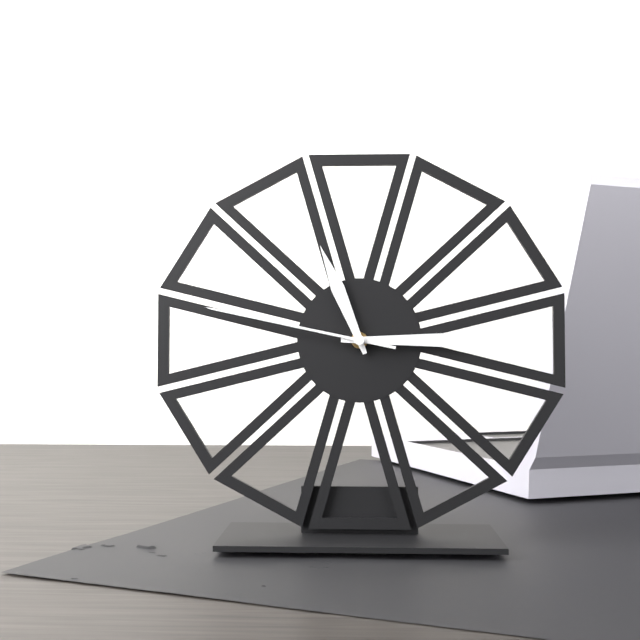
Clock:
11 h 15 min 47 s
